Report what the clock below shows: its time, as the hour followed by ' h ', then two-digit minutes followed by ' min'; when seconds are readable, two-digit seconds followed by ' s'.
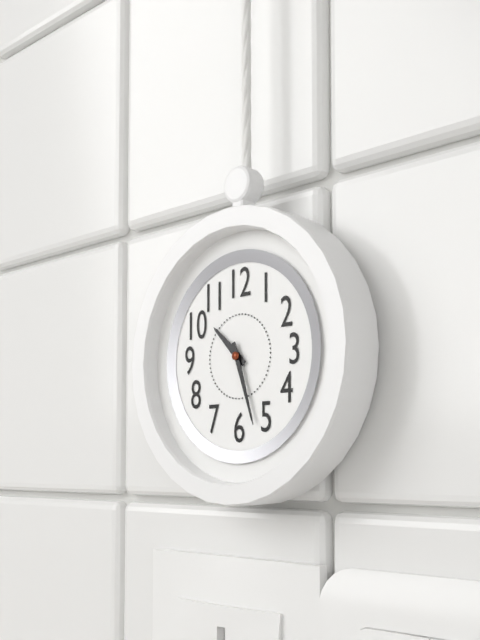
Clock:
10 h 27 min
